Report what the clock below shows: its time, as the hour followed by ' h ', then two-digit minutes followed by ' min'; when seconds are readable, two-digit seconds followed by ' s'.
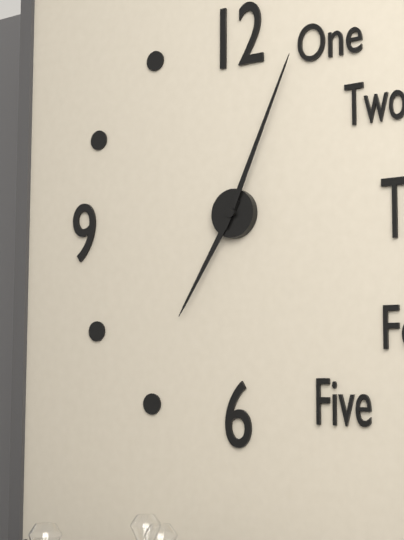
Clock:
7 h 04 min
